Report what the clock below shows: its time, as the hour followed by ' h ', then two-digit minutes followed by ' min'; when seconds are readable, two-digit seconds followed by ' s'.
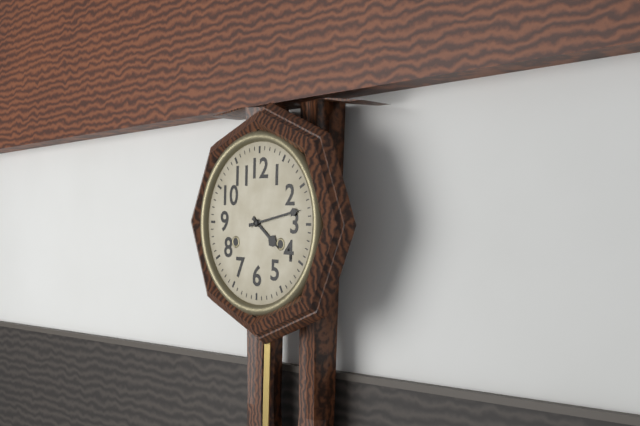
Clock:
4 h 13 min
